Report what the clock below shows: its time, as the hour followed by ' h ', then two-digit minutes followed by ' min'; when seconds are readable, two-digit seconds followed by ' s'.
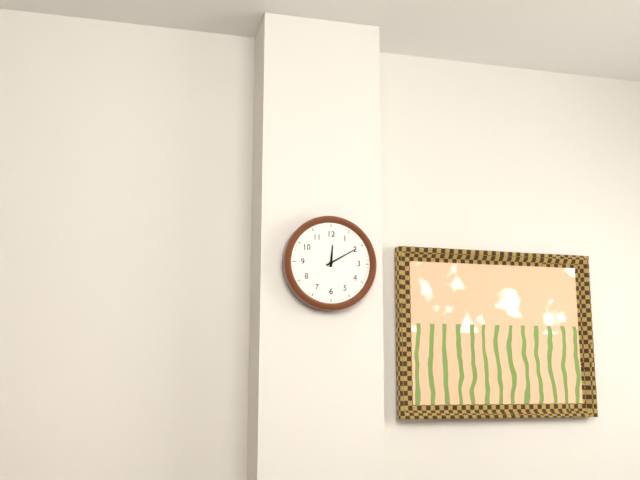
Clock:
12 h 10 min
